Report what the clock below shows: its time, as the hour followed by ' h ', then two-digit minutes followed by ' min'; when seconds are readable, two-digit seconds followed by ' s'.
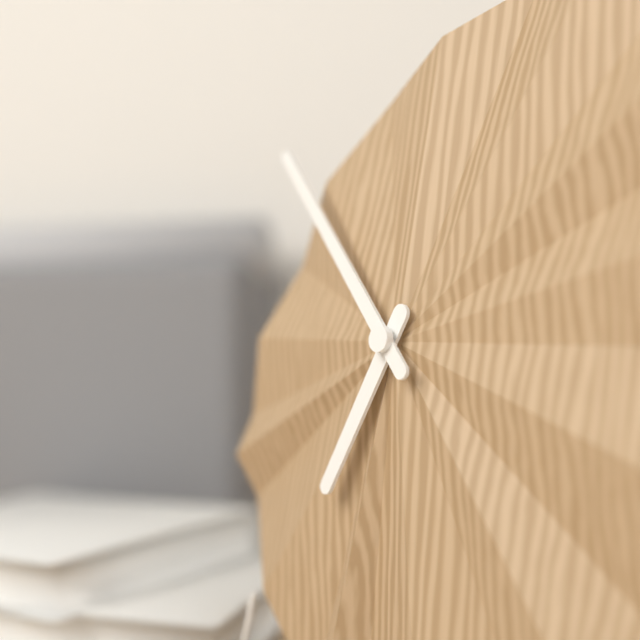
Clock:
6 h 53 min
